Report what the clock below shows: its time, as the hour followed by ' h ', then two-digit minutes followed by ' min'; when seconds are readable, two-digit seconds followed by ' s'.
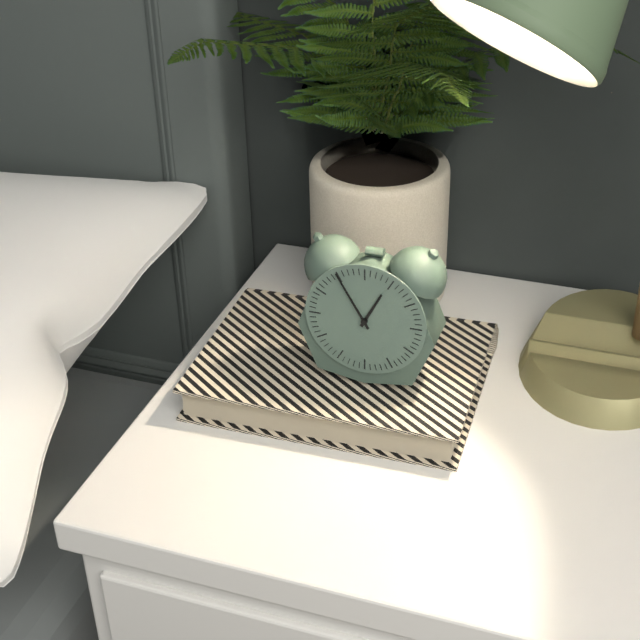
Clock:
12 h 55 min
